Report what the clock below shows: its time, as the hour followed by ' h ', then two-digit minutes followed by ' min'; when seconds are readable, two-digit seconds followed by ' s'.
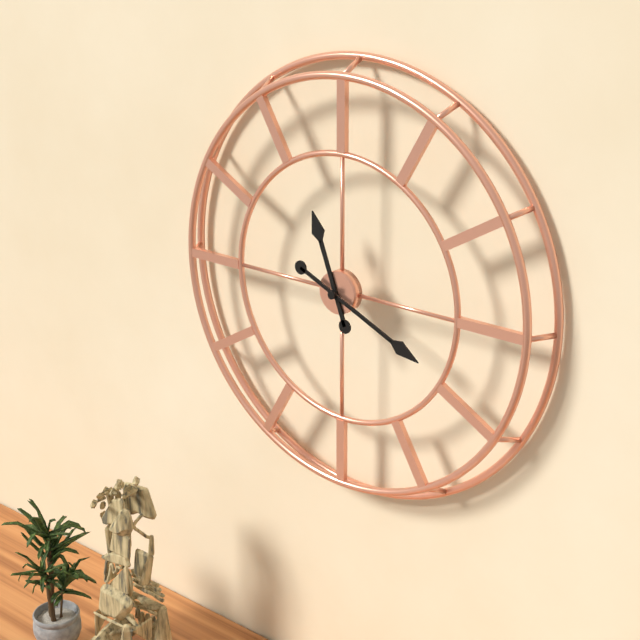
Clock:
11 h 19 min
